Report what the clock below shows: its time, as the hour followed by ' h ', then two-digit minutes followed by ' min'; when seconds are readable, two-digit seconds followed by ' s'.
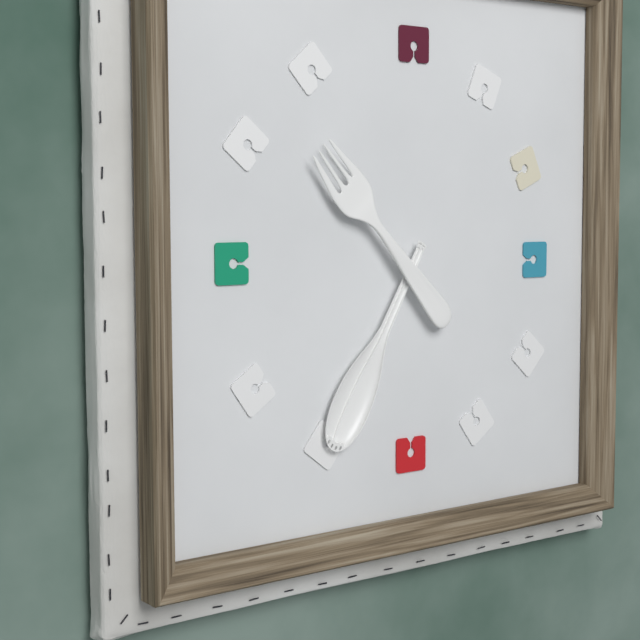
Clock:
10 h 35 min
